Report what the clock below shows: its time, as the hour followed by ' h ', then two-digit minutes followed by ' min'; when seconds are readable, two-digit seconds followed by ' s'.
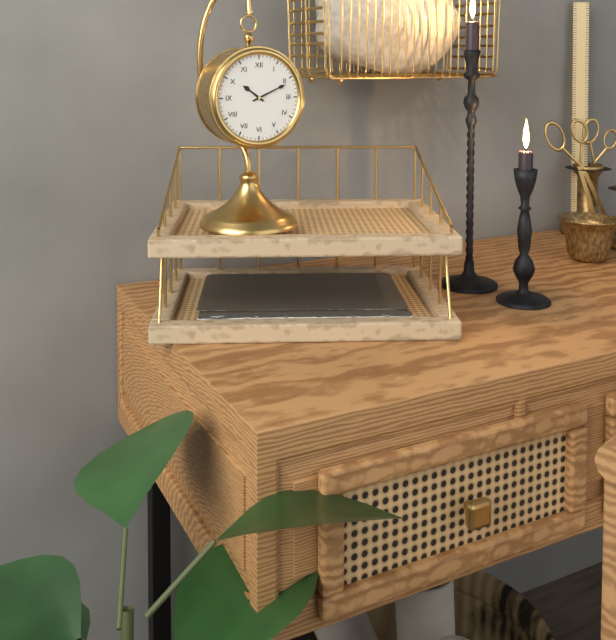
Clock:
10 h 11 min
